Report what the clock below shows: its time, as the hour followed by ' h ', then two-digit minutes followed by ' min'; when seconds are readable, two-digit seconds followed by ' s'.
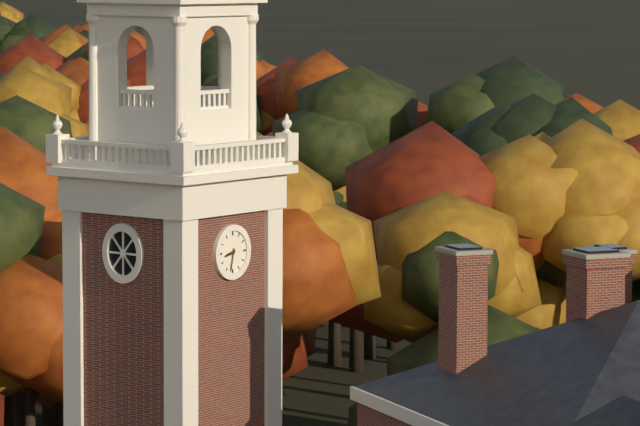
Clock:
8 h 32 min
